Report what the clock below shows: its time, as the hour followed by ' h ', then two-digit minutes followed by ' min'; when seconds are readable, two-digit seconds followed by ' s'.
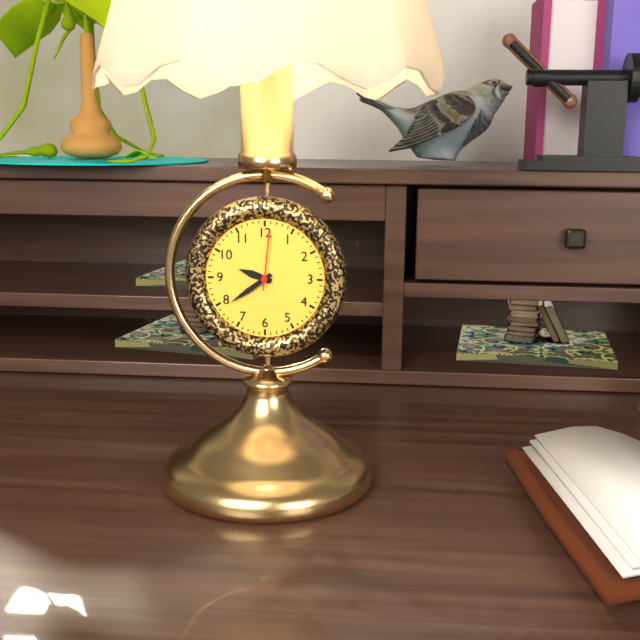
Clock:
9 h 39 min 01 s
